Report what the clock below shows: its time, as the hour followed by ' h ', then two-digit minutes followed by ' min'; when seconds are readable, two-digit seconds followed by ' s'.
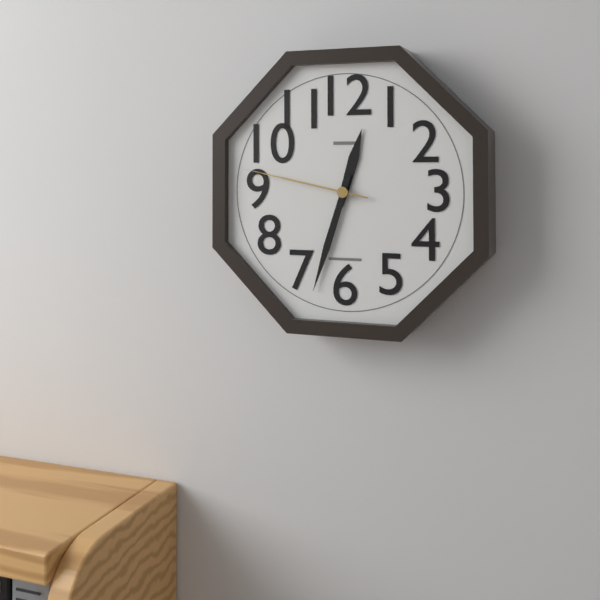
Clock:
12 h 33 min 47 s
